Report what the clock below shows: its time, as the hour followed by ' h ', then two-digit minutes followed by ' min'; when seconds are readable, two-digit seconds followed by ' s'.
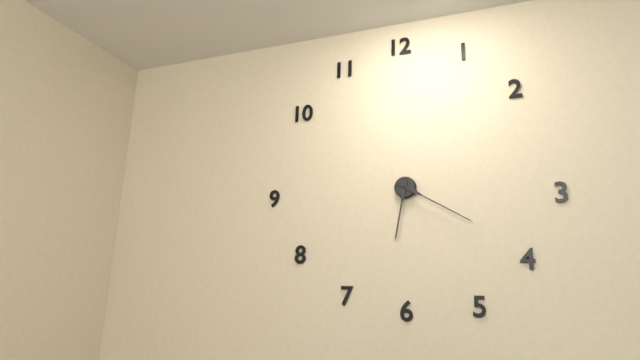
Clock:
6 h 20 min
